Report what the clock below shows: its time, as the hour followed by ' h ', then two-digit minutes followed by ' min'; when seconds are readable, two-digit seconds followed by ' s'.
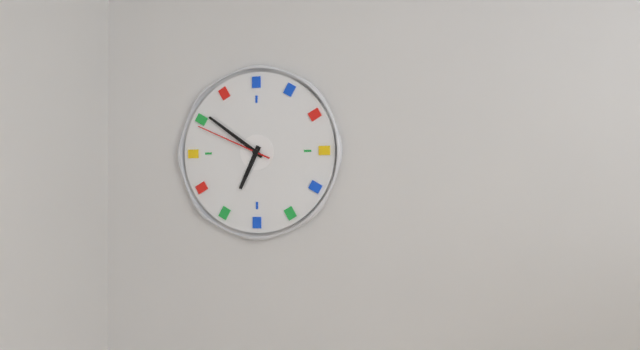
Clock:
6 h 51 min 49 s
